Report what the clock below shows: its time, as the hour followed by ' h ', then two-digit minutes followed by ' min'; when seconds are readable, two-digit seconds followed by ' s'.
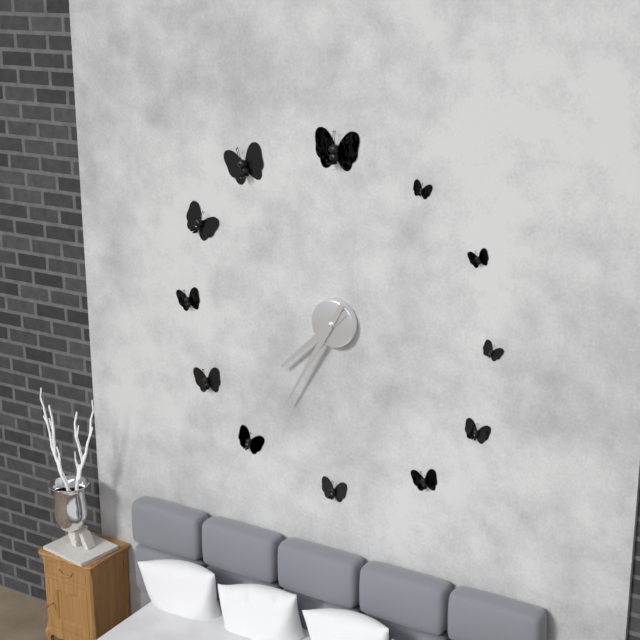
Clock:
7 h 35 min
